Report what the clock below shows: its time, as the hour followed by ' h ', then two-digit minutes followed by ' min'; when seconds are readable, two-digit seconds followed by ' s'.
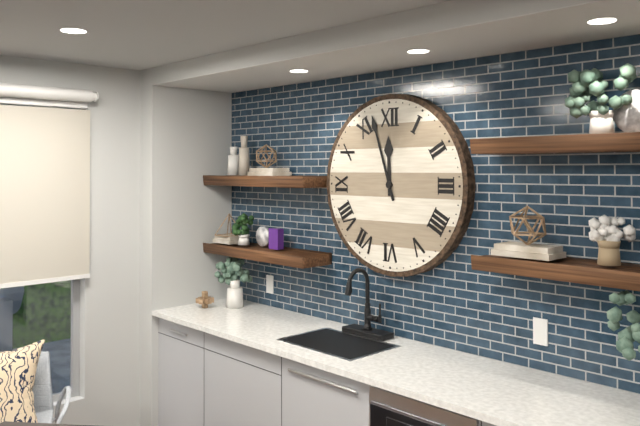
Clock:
11 h 57 min
